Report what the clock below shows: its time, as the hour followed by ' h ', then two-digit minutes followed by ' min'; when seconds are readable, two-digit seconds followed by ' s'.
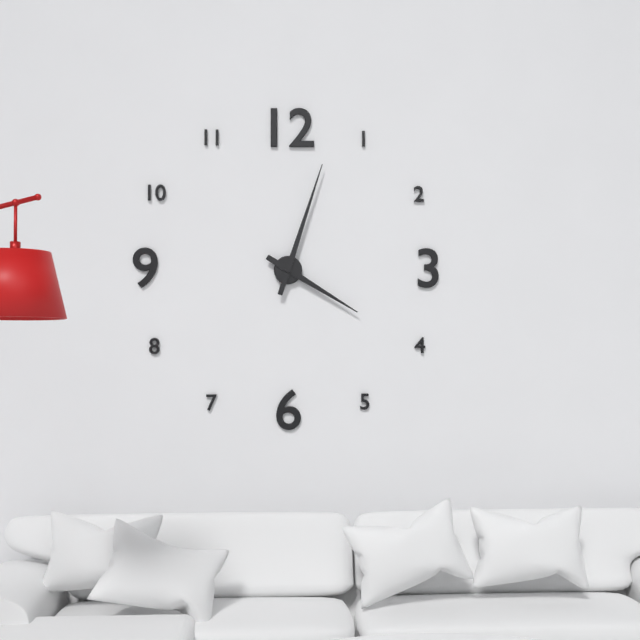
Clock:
4 h 03 min
